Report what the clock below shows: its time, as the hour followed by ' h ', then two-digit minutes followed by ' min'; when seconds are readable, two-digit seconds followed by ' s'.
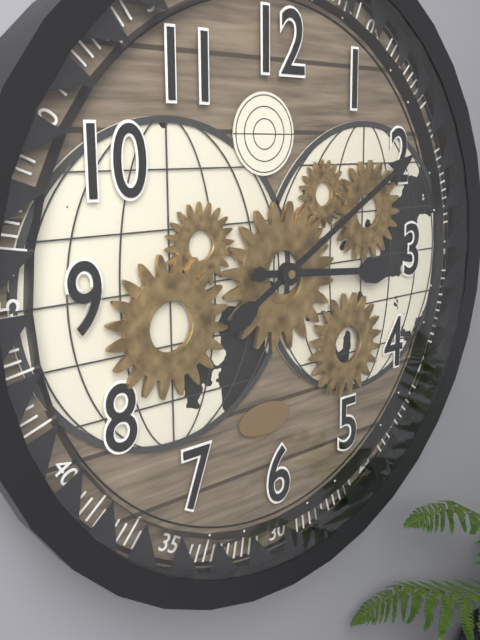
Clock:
3 h 10 min
